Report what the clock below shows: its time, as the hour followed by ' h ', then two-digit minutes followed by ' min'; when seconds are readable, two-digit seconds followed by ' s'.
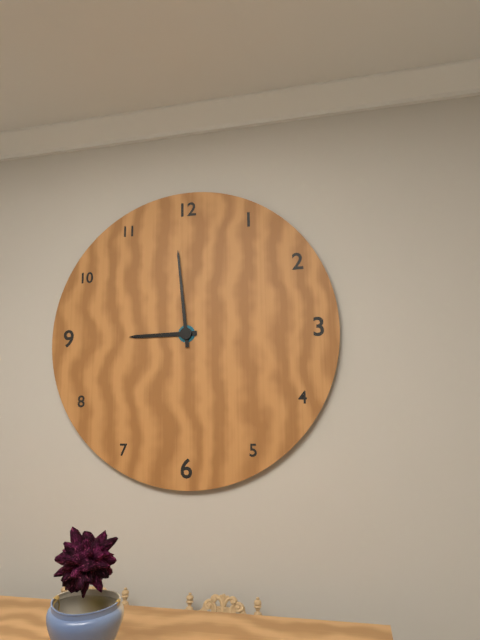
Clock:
8 h 59 min
